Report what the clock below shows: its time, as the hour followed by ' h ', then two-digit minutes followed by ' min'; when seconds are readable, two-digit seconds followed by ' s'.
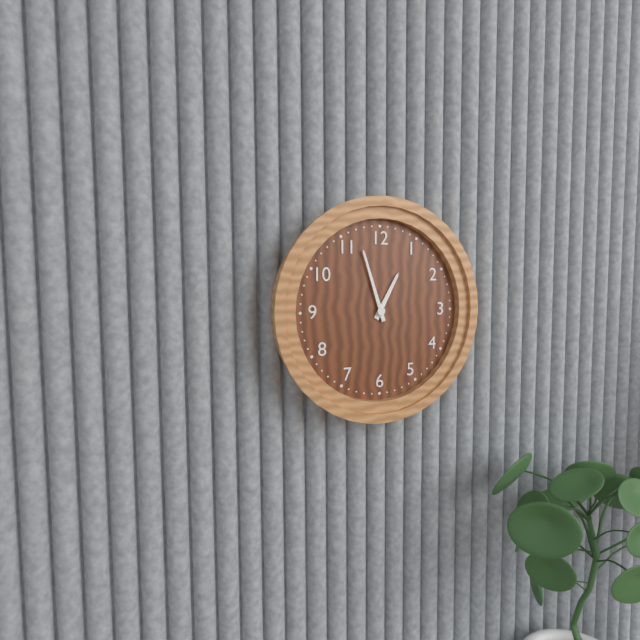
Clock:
12 h 57 min
